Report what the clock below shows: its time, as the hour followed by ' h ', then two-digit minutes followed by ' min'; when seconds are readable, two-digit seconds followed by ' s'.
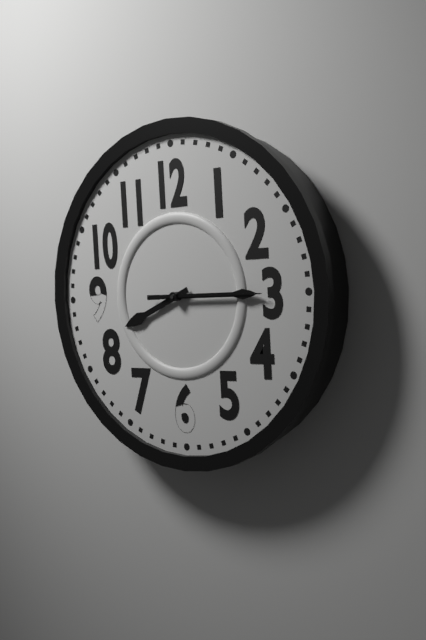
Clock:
8 h 15 min 15 s
